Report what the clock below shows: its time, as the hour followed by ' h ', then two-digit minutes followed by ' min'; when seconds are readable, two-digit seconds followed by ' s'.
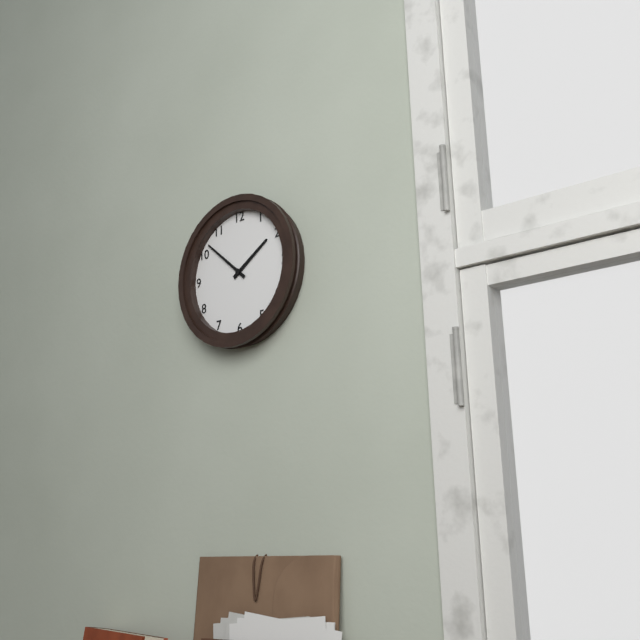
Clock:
1 h 52 min
